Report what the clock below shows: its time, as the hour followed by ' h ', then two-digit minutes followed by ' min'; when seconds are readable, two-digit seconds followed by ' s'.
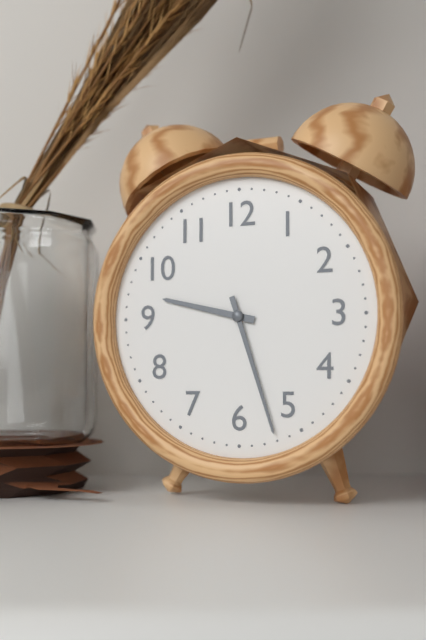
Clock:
9 h 27 min
